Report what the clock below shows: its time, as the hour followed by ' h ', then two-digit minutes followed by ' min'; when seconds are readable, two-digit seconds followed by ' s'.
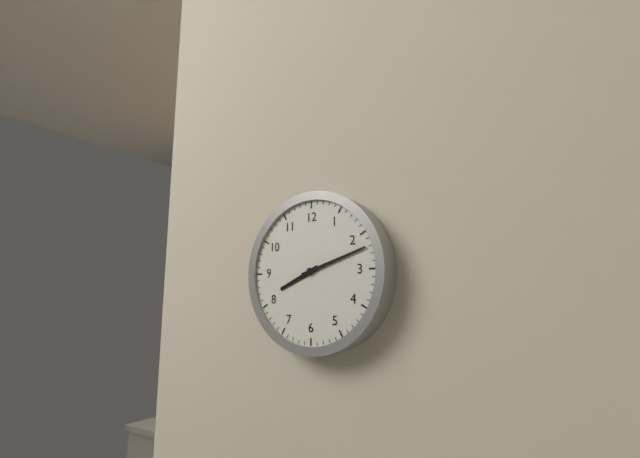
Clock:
8 h 12 min
